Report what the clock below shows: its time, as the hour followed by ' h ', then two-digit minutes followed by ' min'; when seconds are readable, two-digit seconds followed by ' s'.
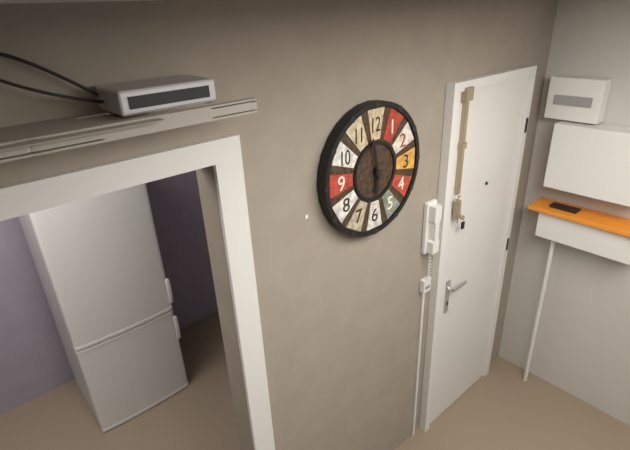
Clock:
5 h 58 min
